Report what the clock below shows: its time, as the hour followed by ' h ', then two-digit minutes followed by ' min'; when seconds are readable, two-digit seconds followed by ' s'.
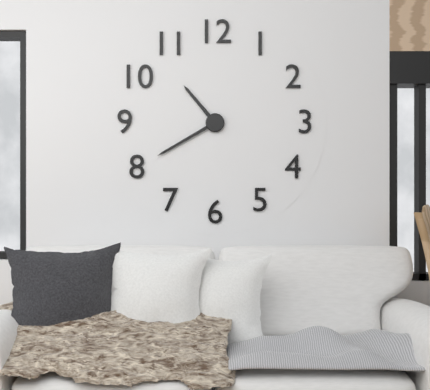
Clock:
10 h 40 min
